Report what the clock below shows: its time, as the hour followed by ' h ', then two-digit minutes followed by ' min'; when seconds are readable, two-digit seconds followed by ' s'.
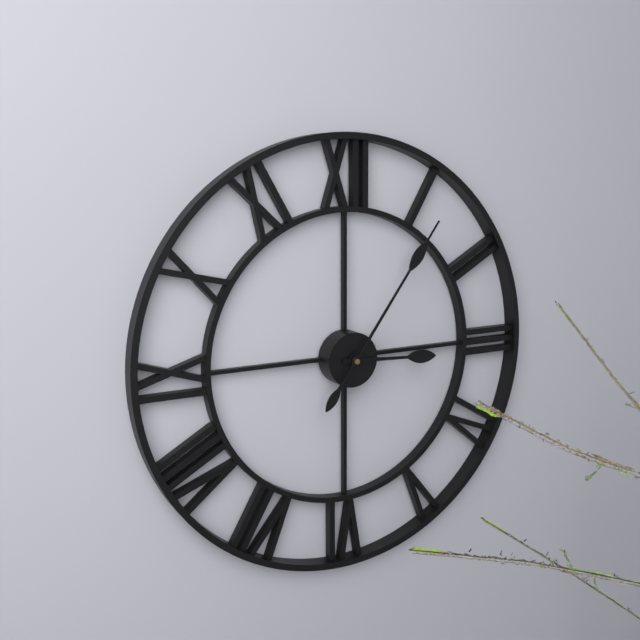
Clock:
3 h 06 min
